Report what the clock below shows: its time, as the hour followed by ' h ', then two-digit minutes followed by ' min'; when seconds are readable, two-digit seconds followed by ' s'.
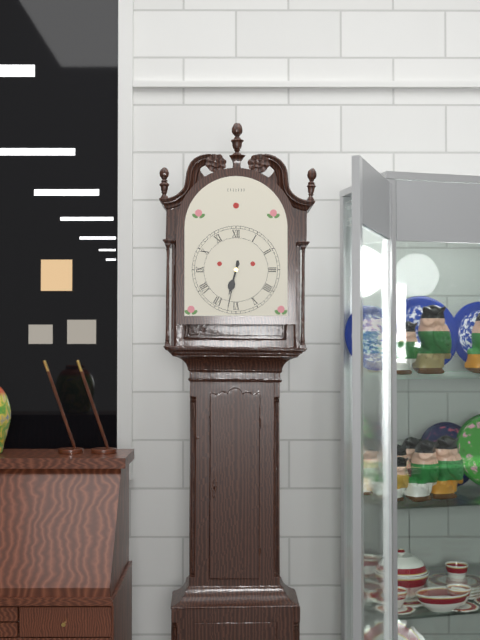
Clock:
6 h 32 min
